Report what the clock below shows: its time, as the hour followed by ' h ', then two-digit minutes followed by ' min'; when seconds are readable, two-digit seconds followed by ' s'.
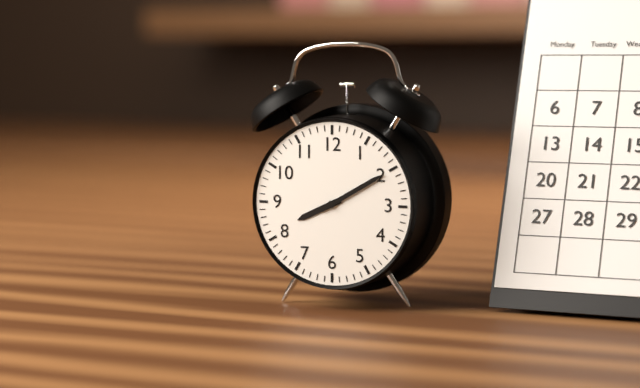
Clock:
8 h 10 min
